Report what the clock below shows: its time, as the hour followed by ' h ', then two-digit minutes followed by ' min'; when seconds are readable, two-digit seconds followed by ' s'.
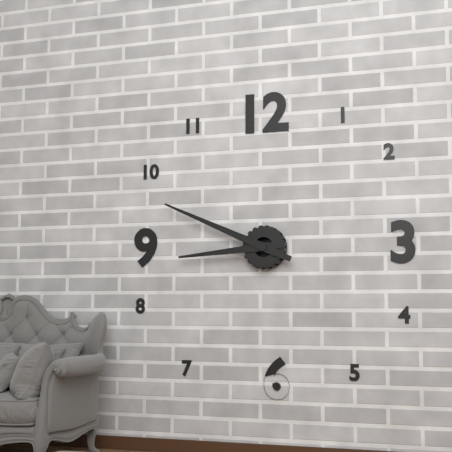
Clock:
8 h 49 min
